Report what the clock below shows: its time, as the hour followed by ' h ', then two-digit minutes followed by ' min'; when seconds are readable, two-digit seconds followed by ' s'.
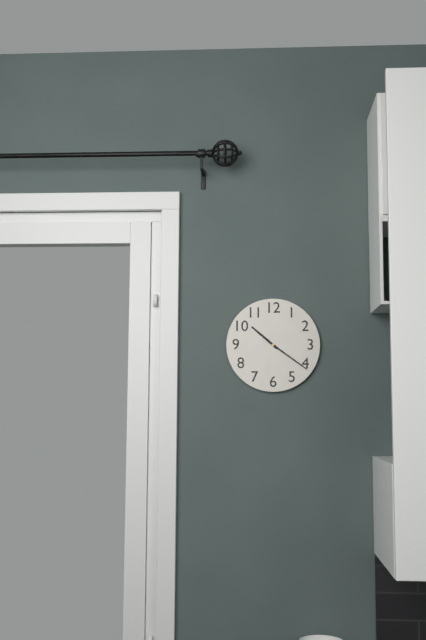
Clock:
10 h 21 min
